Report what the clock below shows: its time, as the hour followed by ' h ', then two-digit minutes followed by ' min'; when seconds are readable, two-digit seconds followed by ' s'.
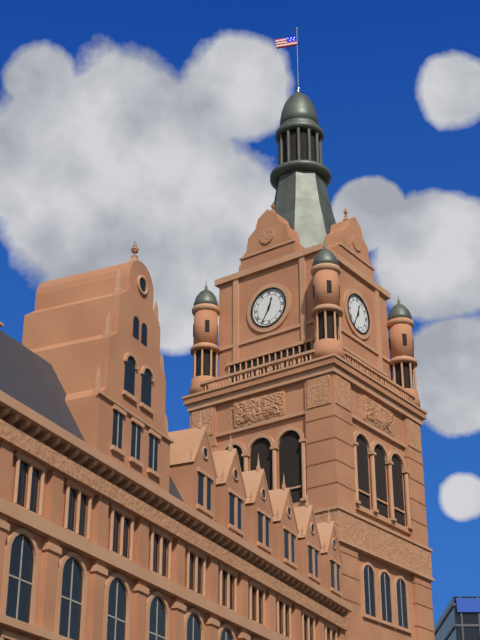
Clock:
12 h 35 min
